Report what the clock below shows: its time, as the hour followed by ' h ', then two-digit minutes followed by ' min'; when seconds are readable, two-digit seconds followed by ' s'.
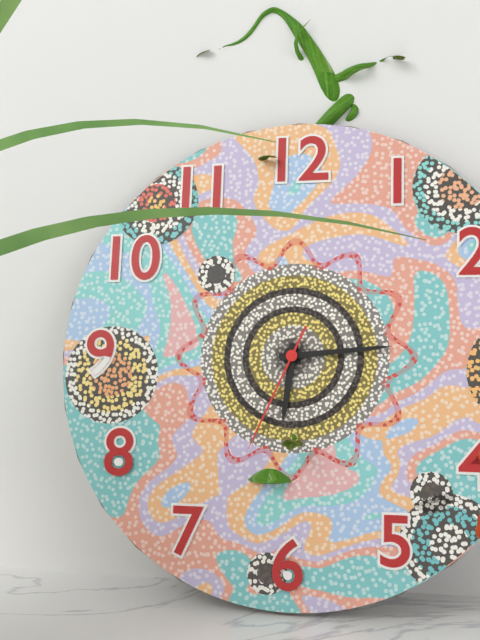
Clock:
6 h 14 min 34 s
